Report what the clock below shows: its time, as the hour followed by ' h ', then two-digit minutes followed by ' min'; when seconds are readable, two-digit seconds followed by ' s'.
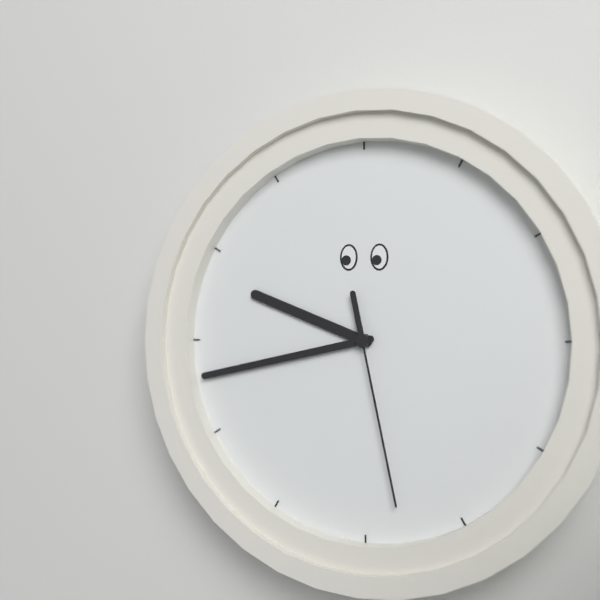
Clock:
9 h 43 min 28 s
